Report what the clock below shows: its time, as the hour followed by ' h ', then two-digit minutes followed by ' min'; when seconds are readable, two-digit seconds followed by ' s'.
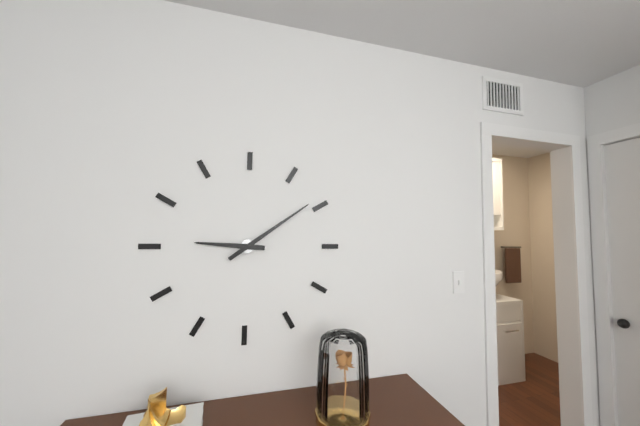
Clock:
9 h 09 min
